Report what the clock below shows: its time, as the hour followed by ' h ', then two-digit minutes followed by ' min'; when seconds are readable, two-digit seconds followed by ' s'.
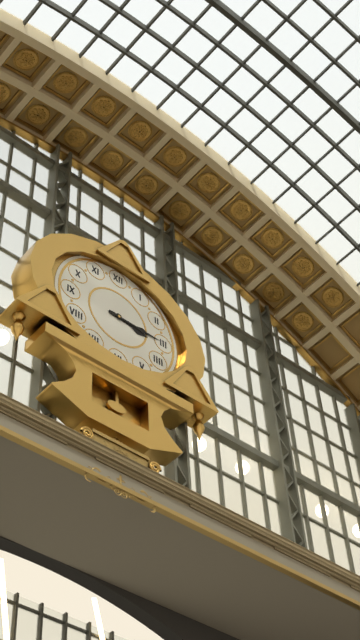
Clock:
3 h 15 min
